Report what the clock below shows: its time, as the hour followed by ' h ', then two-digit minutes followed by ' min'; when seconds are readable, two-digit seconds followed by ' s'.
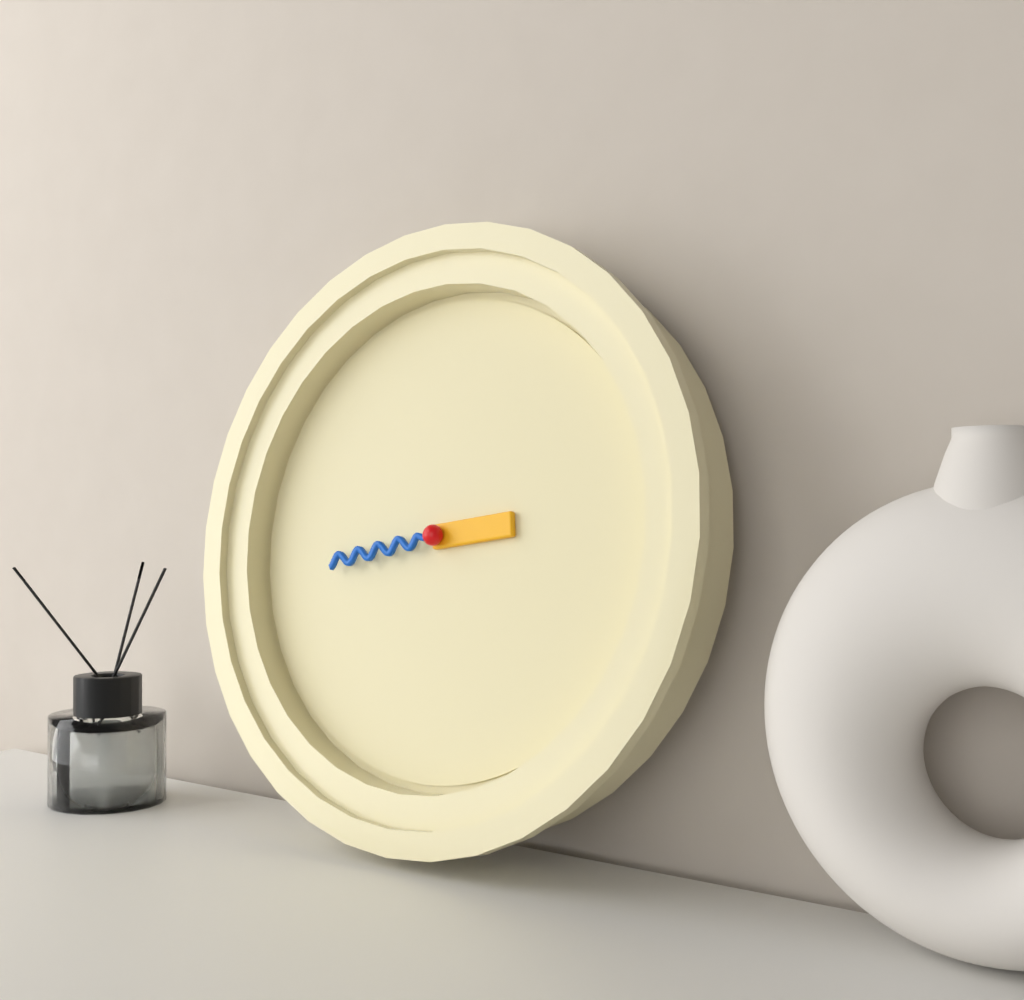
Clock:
2 h 43 min
